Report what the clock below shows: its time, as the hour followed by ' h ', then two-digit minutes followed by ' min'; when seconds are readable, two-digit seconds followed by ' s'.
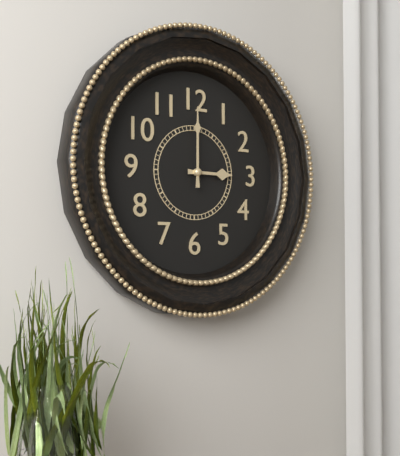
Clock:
3 h 00 min
